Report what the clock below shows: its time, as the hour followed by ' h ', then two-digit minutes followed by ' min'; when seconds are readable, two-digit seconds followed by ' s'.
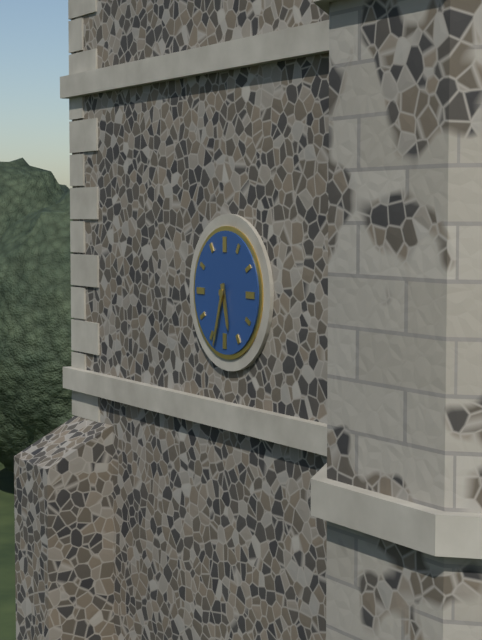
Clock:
5 h 33 min
